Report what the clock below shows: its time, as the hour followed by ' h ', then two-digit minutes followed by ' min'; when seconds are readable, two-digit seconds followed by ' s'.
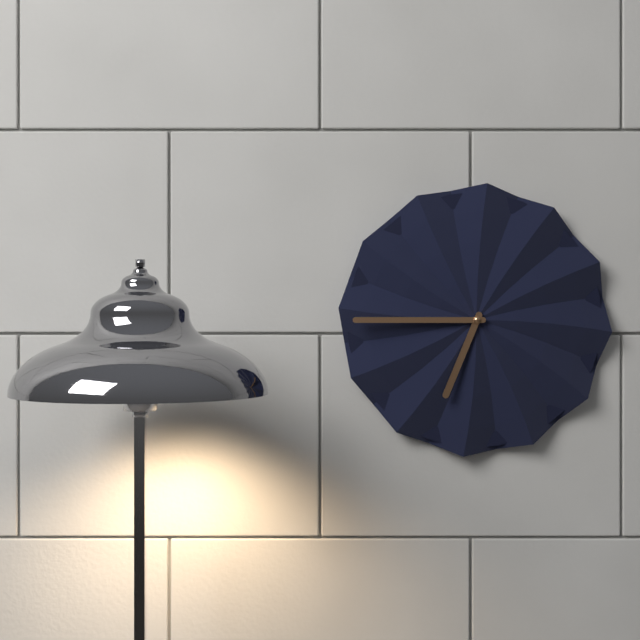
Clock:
6 h 45 min
